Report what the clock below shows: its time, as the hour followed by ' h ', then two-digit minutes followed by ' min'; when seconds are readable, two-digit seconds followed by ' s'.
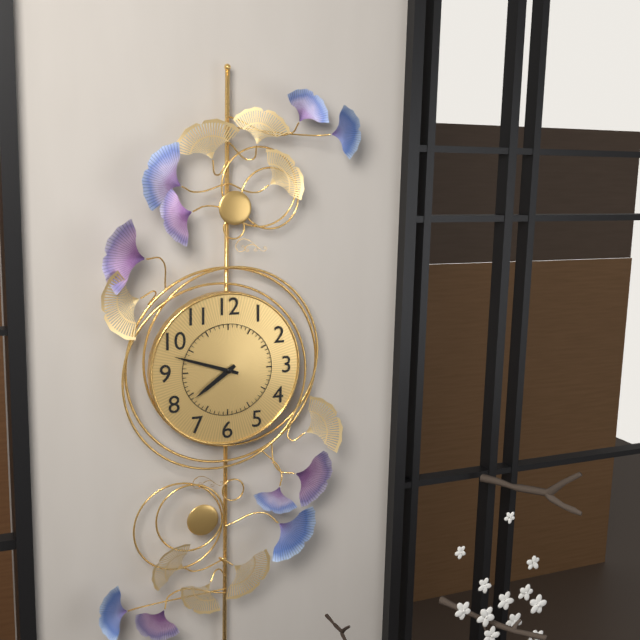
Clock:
7 h 48 min
